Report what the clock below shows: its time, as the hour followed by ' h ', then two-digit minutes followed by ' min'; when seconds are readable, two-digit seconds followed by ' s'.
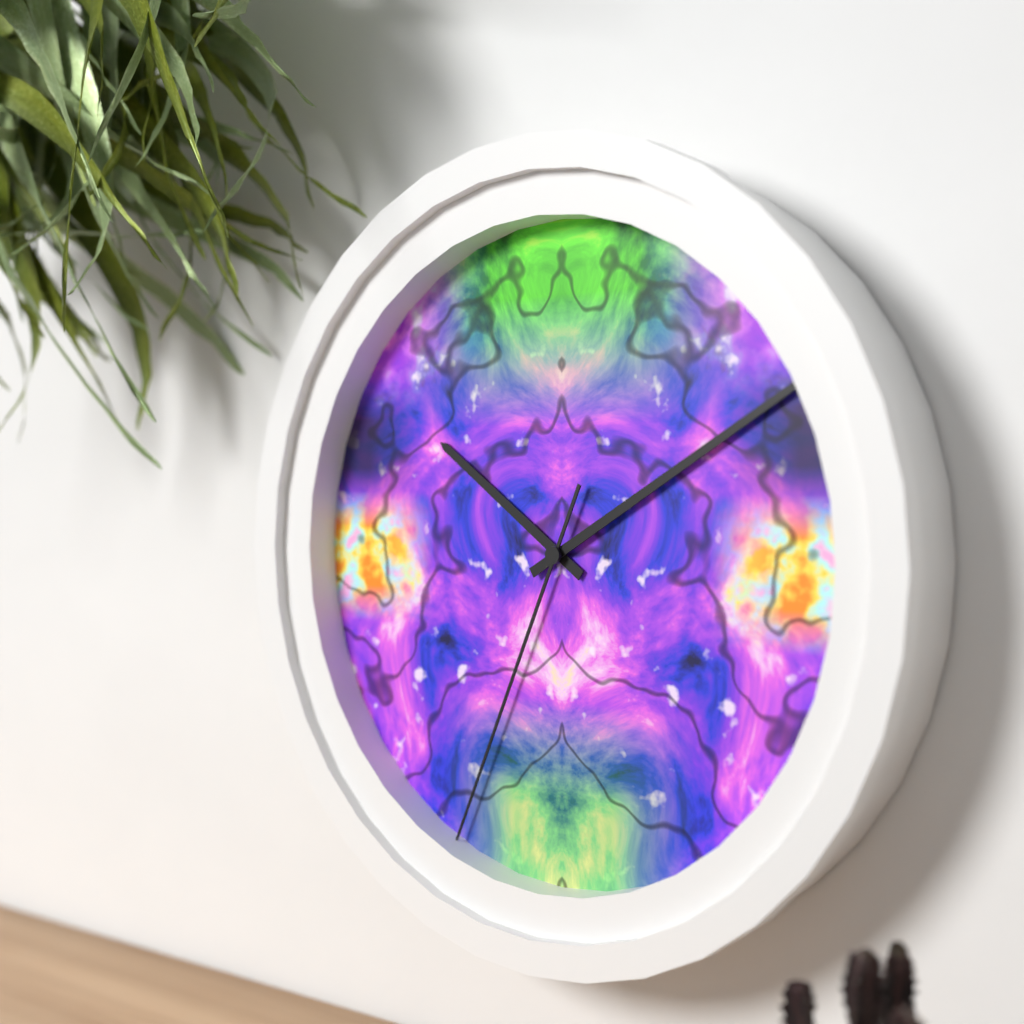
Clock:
10 h 10 min 34 s
